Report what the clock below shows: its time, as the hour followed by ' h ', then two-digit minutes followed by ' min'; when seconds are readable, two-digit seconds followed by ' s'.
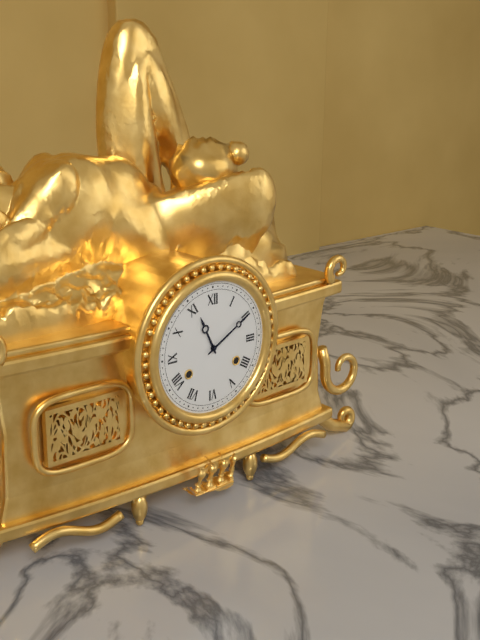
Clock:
11 h 10 min
